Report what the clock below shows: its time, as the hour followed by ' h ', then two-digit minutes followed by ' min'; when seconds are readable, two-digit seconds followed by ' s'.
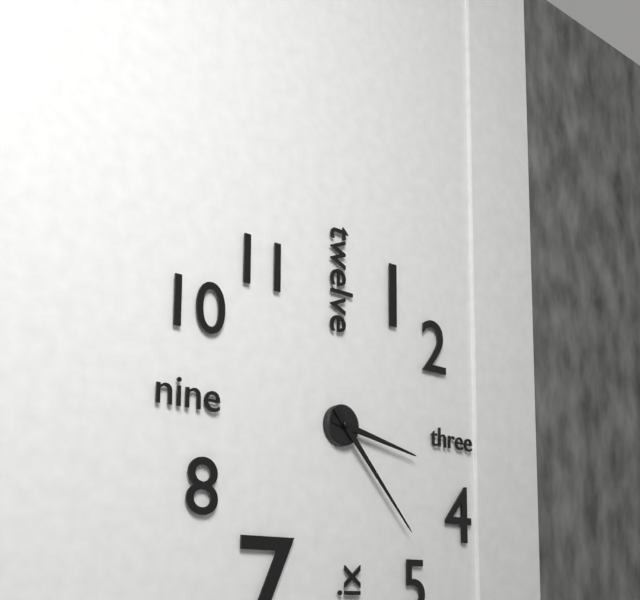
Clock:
3 h 23 min
